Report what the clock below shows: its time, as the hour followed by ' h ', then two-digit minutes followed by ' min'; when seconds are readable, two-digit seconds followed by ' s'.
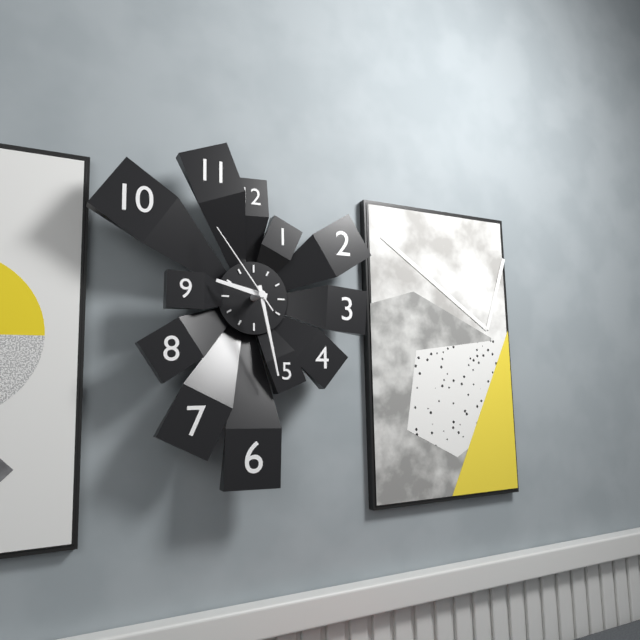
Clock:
9 h 28 min 54 s
